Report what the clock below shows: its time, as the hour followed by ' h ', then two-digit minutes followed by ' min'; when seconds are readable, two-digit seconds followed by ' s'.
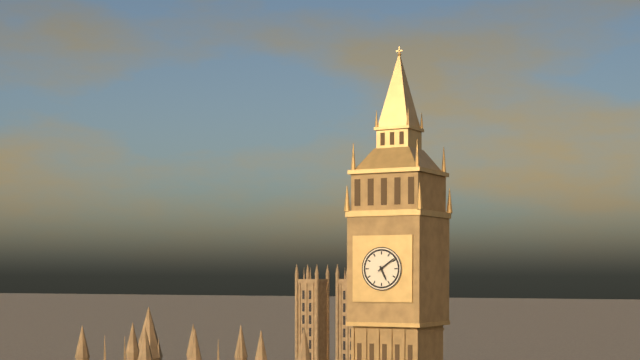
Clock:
5 h 09 min
